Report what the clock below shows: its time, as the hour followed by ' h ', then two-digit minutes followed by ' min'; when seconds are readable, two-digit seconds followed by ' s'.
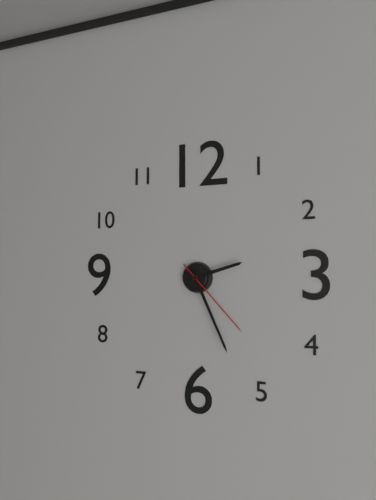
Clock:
2 h 26 min 23 s
